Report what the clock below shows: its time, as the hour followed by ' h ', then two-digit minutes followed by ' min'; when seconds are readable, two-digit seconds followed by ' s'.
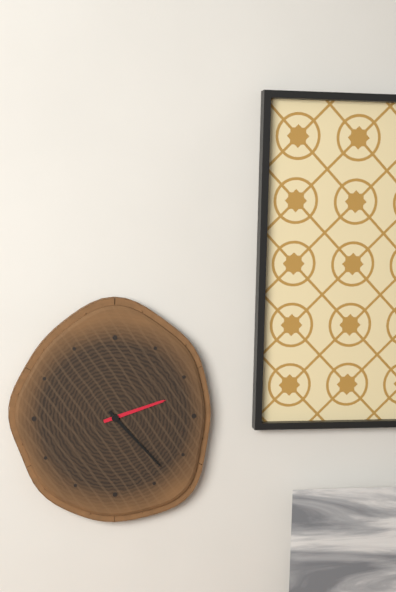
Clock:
2 h 23 min
